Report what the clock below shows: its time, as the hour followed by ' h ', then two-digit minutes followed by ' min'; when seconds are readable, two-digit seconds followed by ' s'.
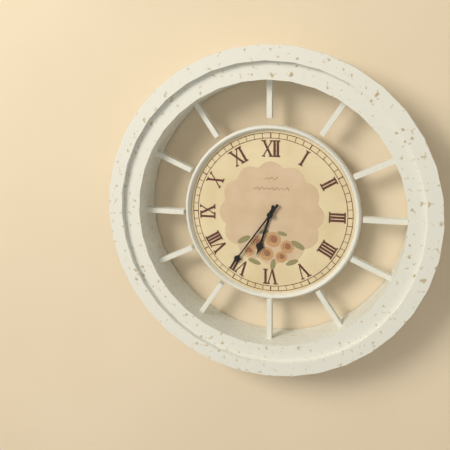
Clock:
6 h 36 min
